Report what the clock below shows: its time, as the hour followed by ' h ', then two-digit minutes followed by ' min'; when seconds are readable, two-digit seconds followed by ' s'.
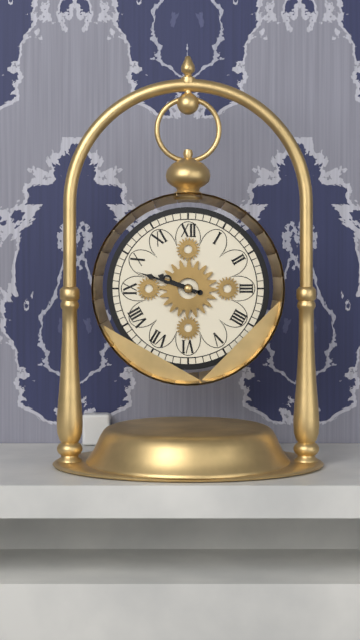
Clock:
9 h 48 min
